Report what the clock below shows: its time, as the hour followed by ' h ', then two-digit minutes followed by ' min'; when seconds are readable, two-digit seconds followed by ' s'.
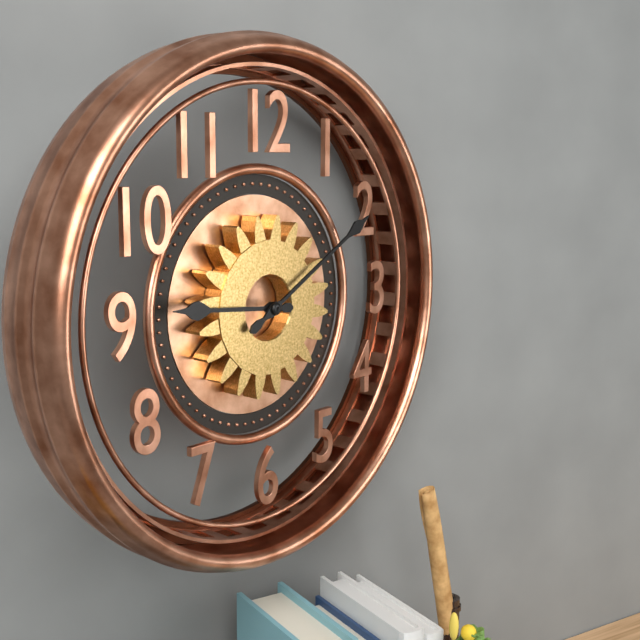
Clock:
9 h 10 min
